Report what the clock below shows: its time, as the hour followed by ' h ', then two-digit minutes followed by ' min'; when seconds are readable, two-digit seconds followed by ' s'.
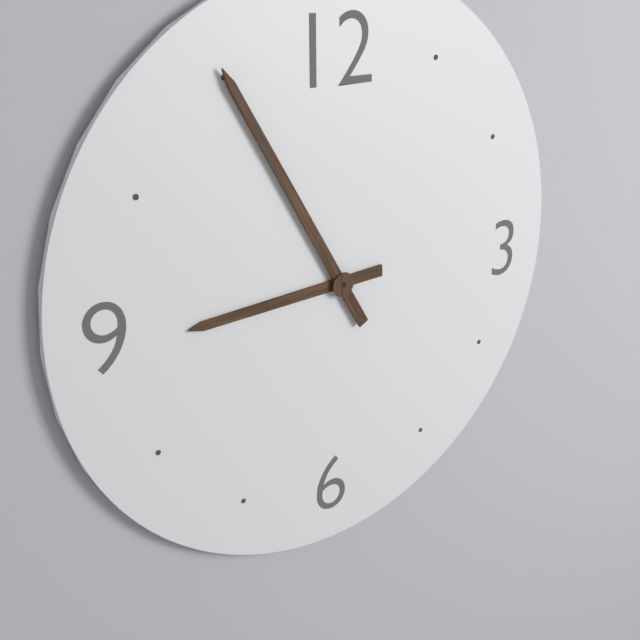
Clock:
8 h 55 min
